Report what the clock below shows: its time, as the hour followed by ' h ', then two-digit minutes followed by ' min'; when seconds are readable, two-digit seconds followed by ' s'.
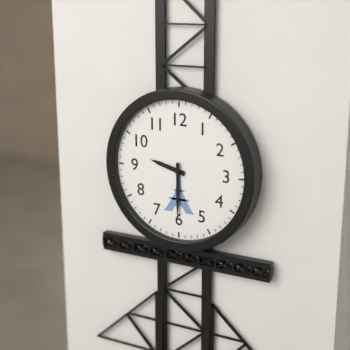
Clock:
9 h 30 min
